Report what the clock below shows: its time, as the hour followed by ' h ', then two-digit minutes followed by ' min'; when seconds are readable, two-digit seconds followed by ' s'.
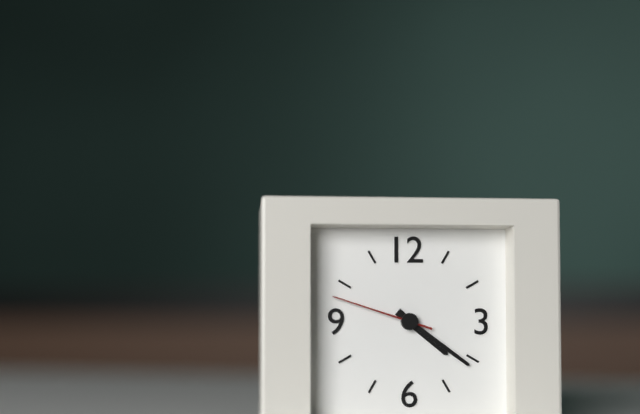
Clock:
4 h 21 min 48 s
